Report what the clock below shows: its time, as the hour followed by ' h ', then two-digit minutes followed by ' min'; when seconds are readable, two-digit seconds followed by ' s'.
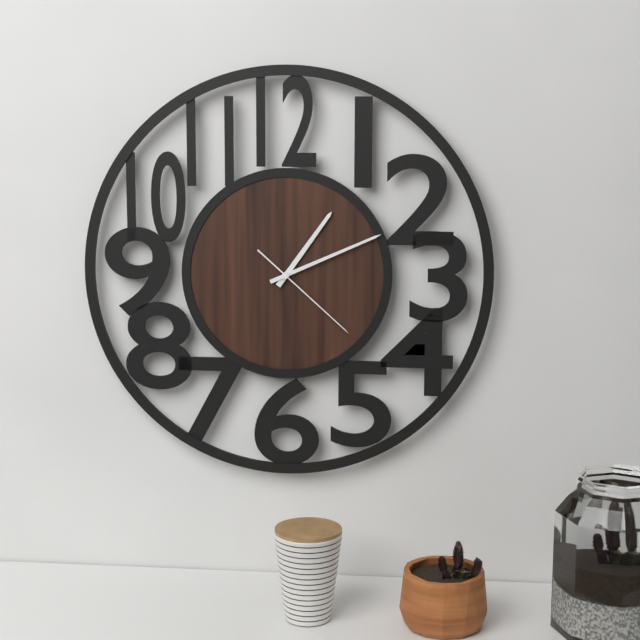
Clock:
1 h 11 min 22 s
